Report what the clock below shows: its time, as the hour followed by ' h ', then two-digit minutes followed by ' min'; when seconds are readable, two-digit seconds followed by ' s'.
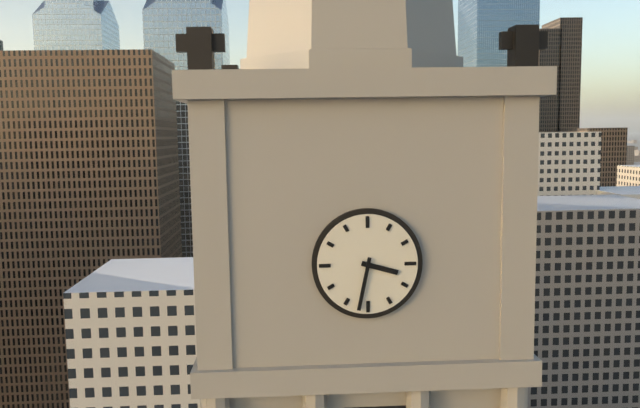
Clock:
3 h 32 min
